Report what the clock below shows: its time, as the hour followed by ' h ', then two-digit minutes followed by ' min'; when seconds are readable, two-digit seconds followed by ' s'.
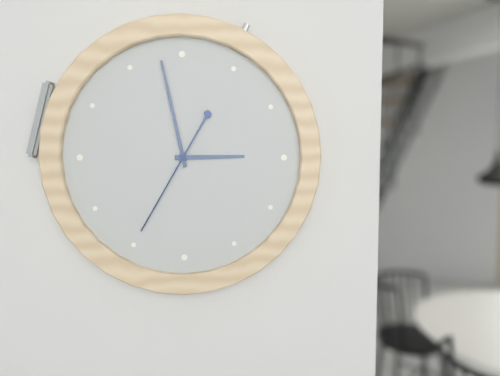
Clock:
2 h 58 min 35 s
